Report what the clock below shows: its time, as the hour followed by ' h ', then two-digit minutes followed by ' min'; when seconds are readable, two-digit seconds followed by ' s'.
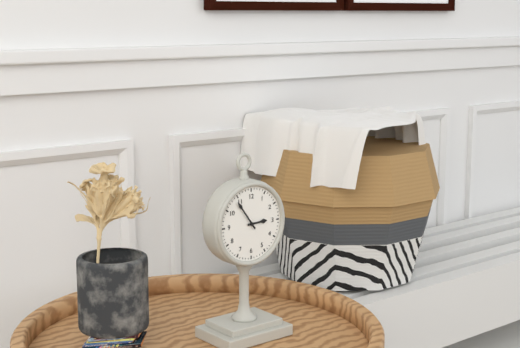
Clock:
2 h 54 min
